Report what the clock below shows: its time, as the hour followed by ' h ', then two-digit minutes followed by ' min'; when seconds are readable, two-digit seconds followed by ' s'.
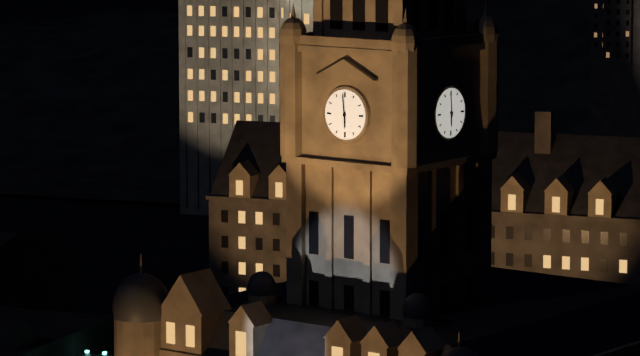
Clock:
5 h 59 min
